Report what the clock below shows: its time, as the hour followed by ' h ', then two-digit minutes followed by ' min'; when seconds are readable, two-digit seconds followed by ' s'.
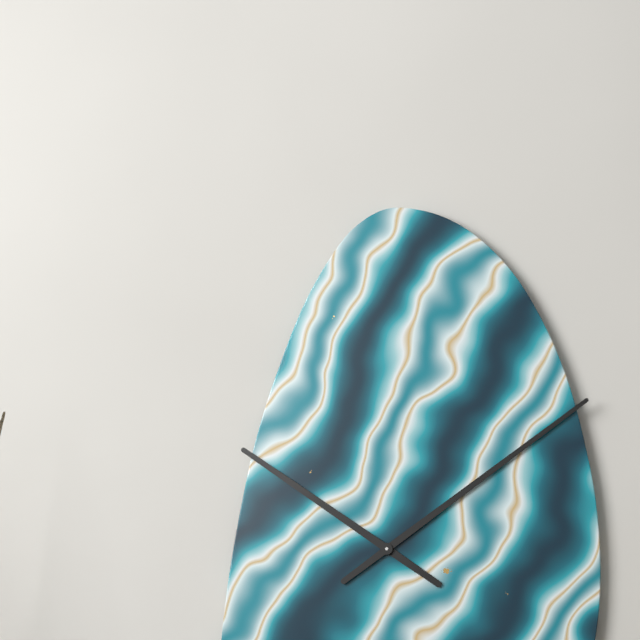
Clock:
10 h 09 min
